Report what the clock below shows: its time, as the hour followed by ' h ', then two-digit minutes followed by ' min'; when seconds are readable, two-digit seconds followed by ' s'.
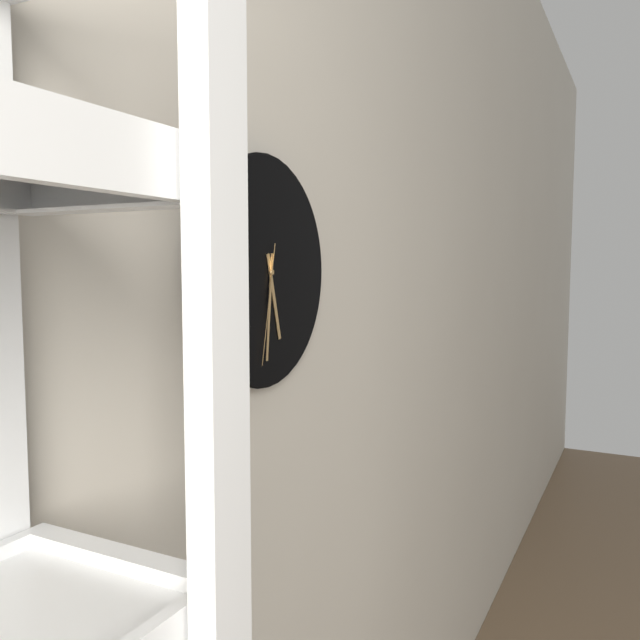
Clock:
5 h 31 min 32 s
